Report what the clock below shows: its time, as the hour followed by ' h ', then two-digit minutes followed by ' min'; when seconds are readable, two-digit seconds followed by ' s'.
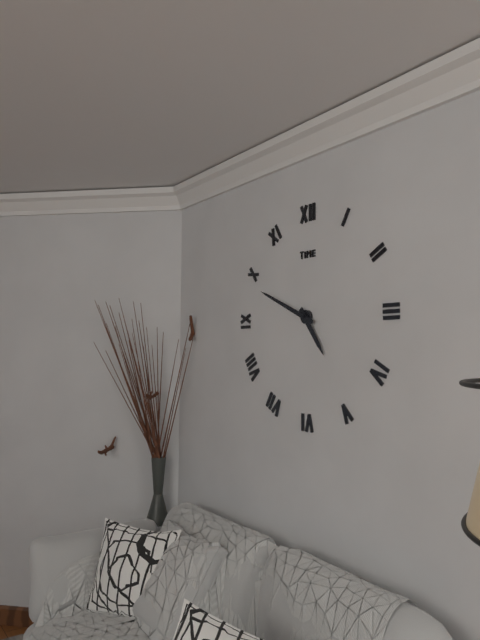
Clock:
4 h 49 min
